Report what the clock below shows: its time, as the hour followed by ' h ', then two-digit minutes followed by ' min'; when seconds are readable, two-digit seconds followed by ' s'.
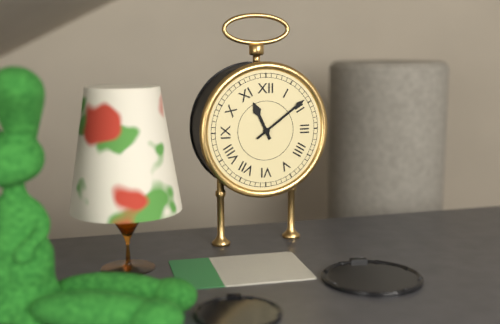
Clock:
11 h 09 min
